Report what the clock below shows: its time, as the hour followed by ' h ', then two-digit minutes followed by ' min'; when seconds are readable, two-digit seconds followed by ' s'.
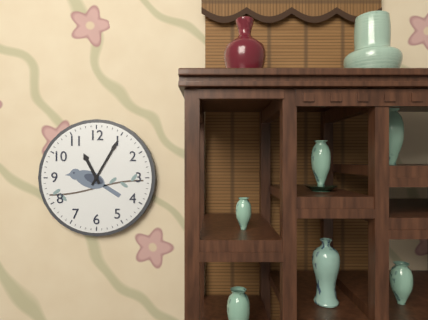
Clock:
11 h 05 min
